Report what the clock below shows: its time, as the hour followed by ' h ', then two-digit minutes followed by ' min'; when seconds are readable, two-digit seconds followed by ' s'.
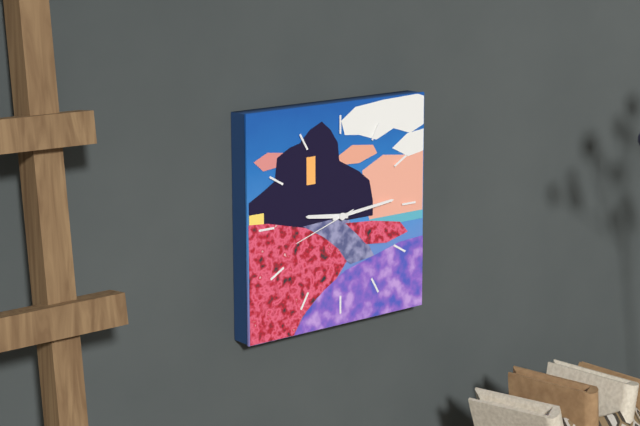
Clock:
9 h 14 min 42 s
